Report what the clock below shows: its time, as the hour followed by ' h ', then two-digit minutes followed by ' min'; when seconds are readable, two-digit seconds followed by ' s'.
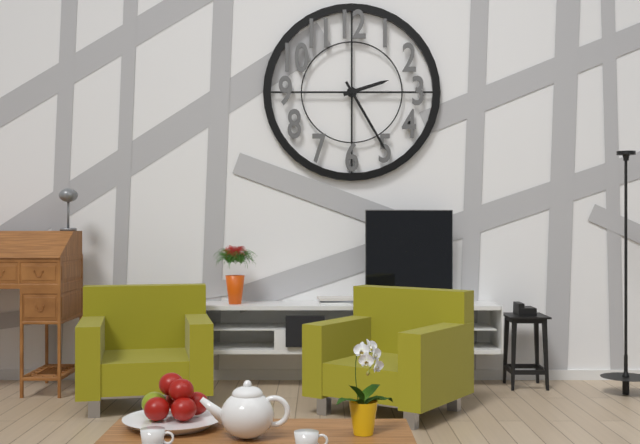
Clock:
2 h 25 min
